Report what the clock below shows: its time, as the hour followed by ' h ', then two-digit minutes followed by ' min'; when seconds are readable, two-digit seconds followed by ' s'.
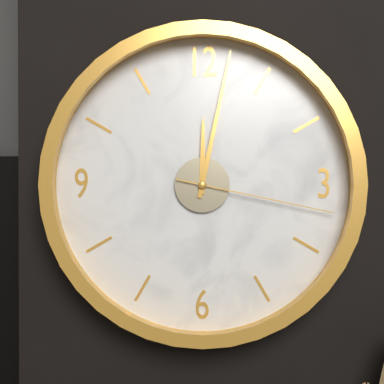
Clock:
12 h 02 min 17 s
